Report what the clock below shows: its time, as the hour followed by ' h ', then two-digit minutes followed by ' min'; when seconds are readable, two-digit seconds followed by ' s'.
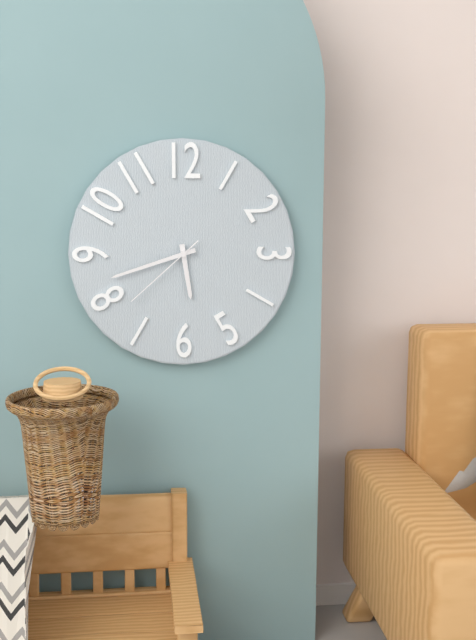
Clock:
5 h 42 min 38 s
